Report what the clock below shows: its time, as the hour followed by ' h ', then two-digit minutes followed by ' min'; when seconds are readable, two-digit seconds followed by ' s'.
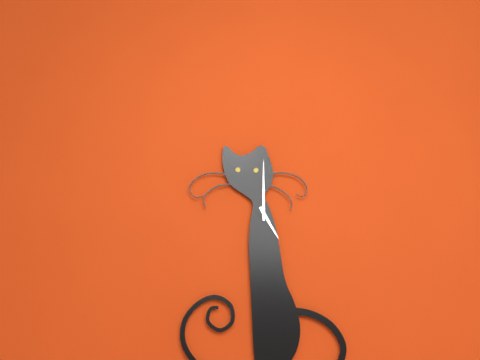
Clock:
5 h 00 min
